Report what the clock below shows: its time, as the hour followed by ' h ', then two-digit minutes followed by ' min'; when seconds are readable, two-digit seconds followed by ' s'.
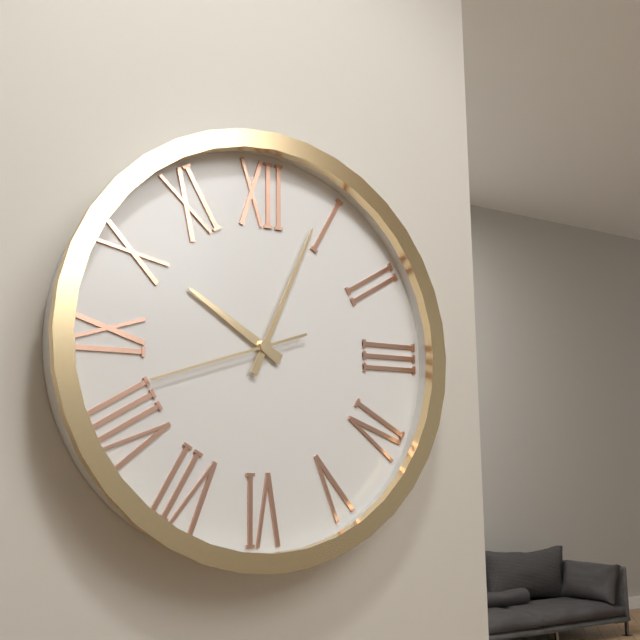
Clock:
10 h 04 min 42 s
